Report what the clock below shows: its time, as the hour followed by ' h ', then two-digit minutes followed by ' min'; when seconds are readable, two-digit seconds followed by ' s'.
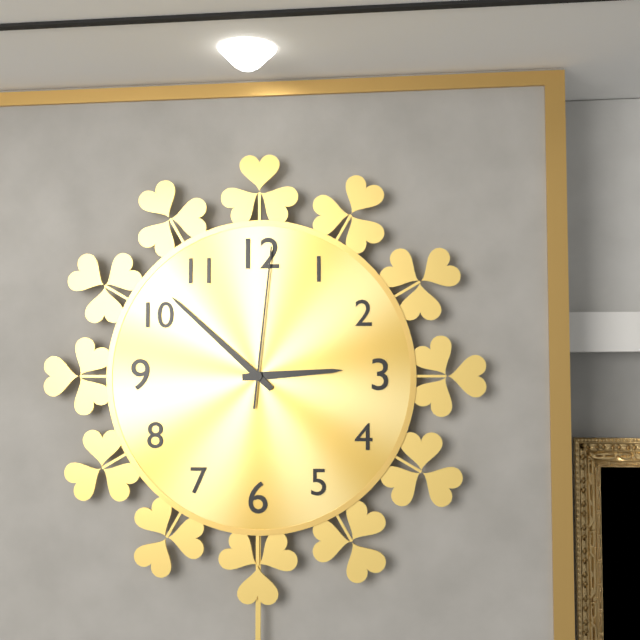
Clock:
2 h 52 min 01 s
